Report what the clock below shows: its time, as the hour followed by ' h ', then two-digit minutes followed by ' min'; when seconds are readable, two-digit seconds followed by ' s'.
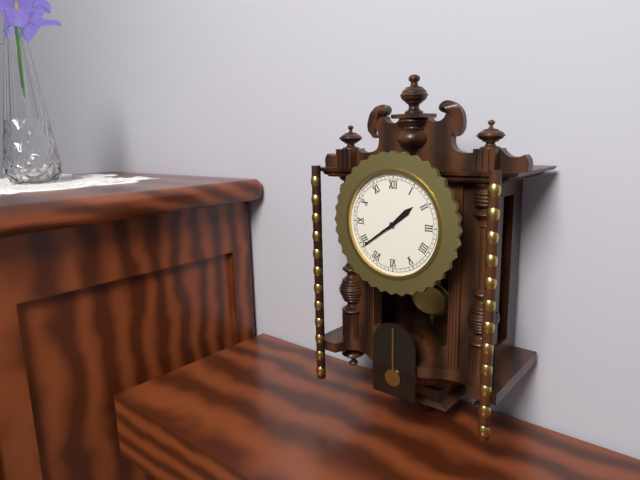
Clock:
1 h 39 min
